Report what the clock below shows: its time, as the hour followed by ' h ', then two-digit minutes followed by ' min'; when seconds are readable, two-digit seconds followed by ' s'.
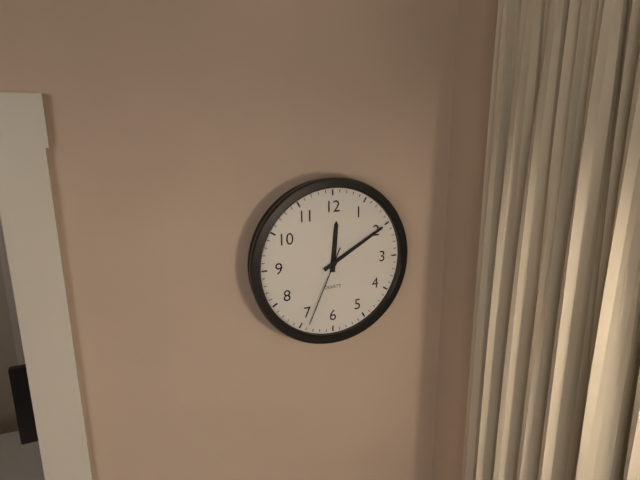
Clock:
12 h 10 min 34 s
